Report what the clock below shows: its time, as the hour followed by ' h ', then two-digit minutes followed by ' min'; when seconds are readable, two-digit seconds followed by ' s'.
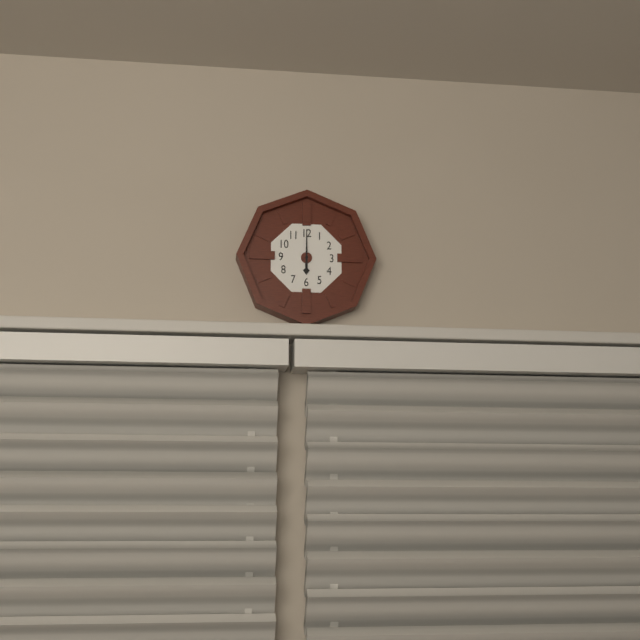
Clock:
6 h 00 min
